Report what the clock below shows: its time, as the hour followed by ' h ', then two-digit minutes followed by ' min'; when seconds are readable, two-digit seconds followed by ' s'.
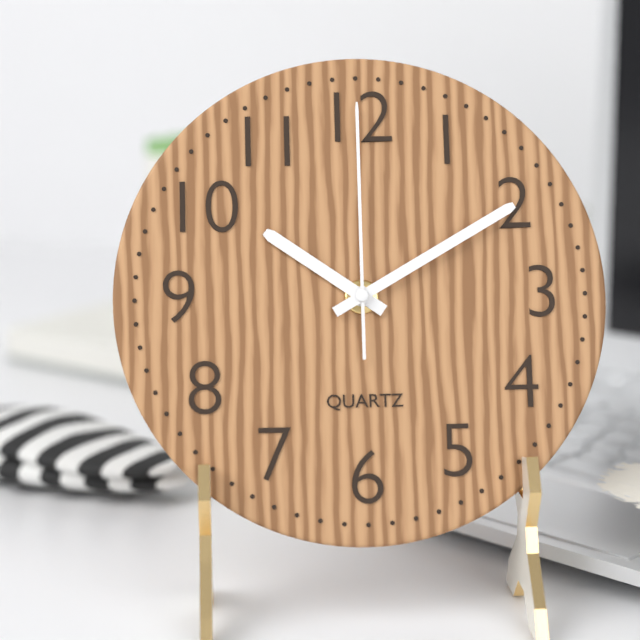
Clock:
10 h 10 min 00 s
